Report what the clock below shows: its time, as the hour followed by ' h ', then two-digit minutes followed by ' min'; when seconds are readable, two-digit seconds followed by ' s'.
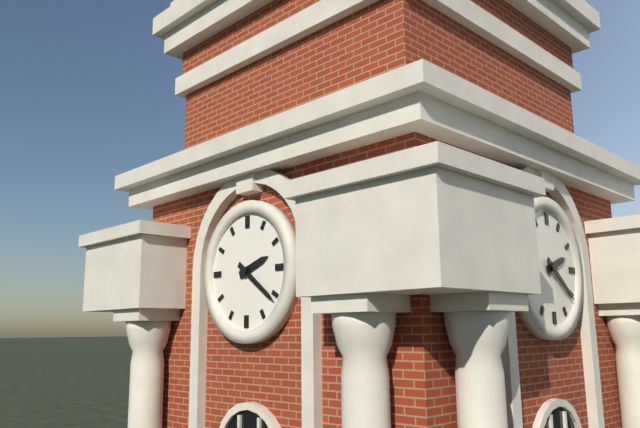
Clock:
2 h 21 min
